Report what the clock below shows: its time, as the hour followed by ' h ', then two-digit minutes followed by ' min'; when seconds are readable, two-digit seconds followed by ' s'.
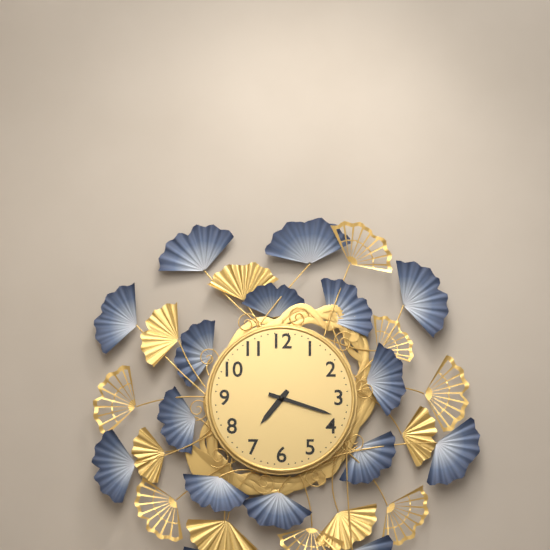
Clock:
7 h 18 min
